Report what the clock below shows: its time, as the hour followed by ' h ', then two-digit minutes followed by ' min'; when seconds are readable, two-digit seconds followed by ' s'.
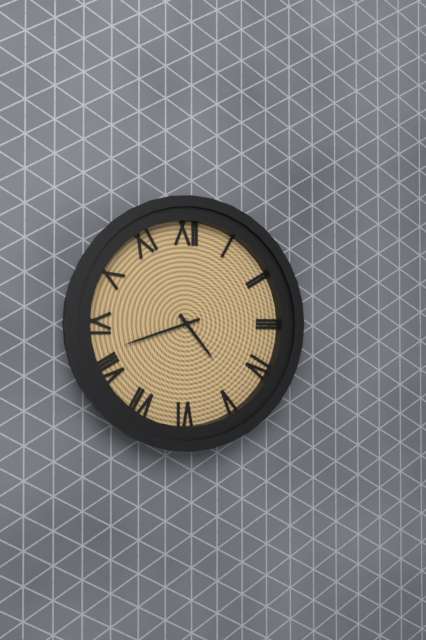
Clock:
4 h 42 min
